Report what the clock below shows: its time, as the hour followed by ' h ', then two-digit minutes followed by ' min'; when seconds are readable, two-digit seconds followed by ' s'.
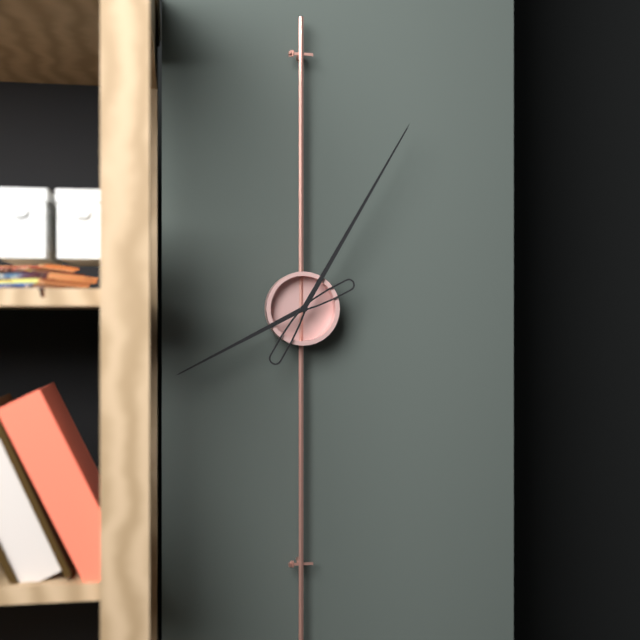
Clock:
8 h 05 min
